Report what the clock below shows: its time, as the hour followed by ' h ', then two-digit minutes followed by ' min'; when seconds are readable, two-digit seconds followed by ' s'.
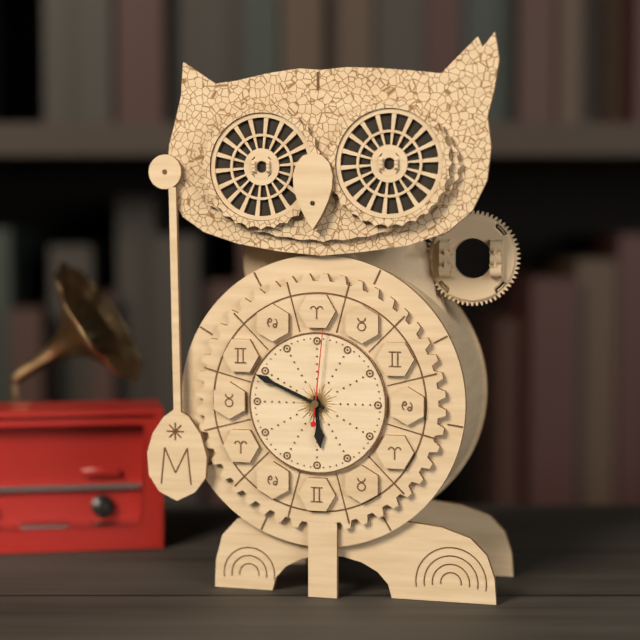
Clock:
5 h 49 min 01 s
